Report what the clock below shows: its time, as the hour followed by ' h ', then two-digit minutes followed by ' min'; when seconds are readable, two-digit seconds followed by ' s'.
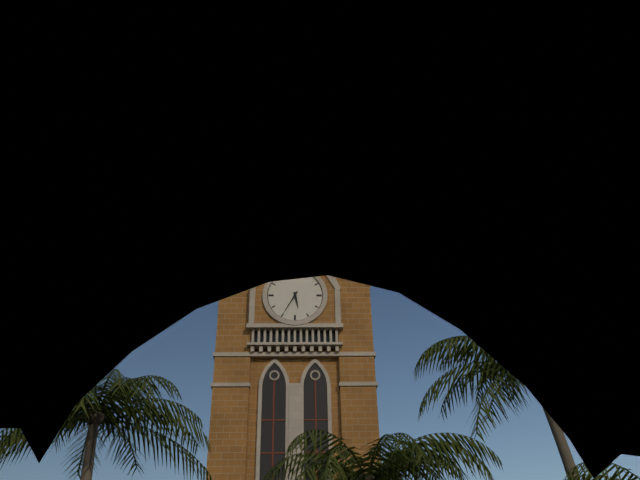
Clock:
5 h 35 min
